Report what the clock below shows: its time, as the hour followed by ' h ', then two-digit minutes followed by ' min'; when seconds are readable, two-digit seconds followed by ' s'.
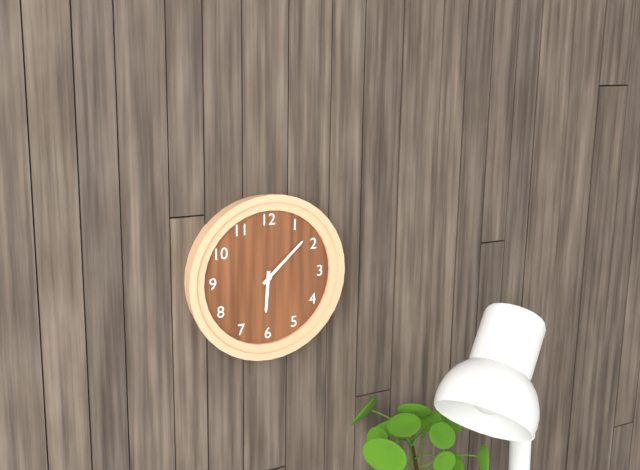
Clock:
6 h 08 min
